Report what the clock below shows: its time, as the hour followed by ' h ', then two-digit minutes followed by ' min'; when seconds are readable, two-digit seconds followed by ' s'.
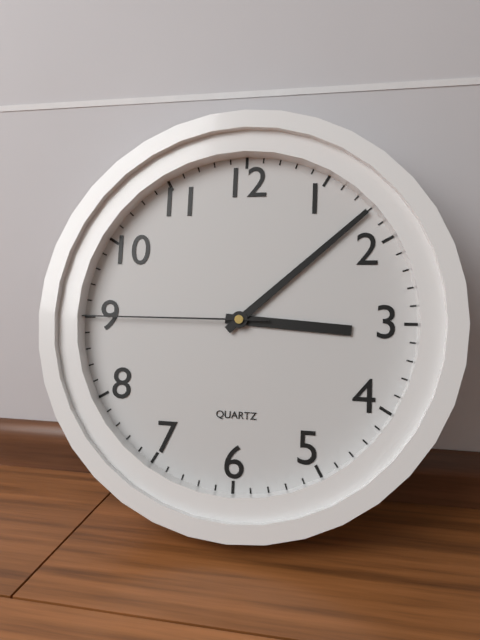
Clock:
3 h 08 min 45 s
